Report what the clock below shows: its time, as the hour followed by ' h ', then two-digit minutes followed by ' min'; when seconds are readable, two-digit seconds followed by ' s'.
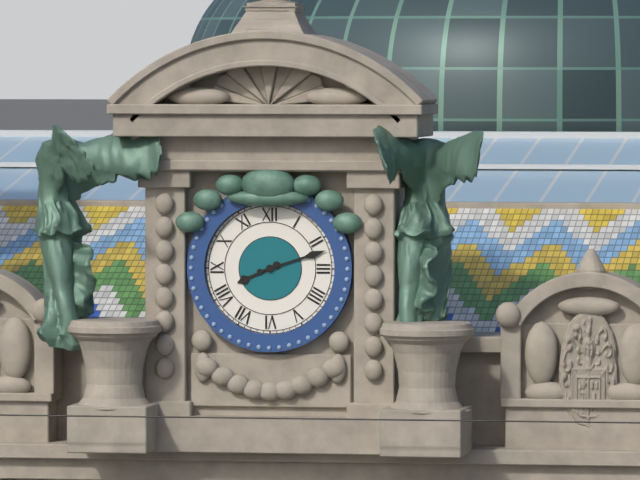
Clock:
8 h 12 min
